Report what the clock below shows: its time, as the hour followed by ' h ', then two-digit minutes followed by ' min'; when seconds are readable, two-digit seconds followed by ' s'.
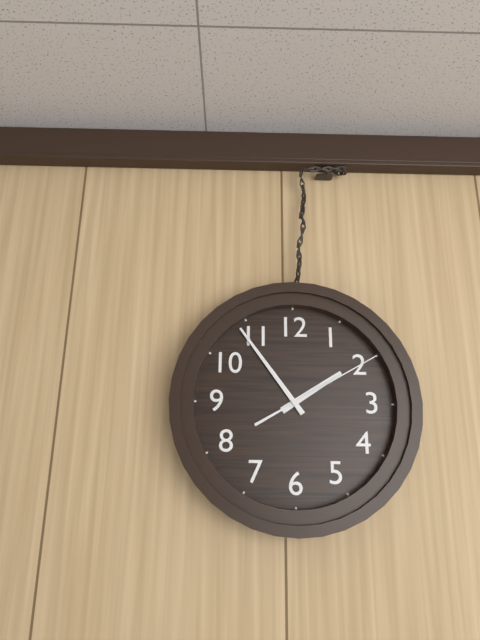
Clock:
1 h 54 min 10 s
